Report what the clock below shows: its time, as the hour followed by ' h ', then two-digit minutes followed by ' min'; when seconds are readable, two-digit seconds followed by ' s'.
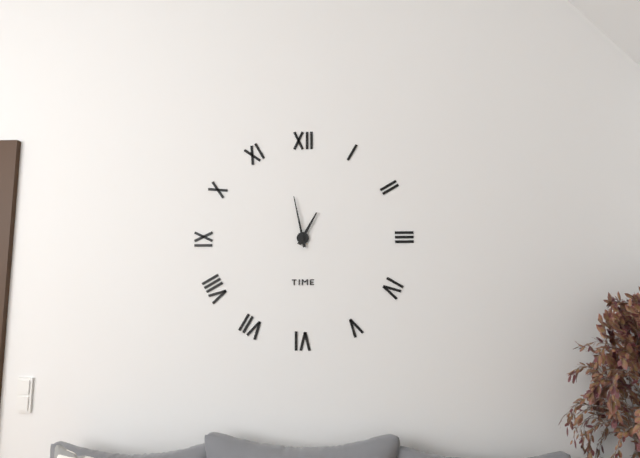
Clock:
12 h 58 min
